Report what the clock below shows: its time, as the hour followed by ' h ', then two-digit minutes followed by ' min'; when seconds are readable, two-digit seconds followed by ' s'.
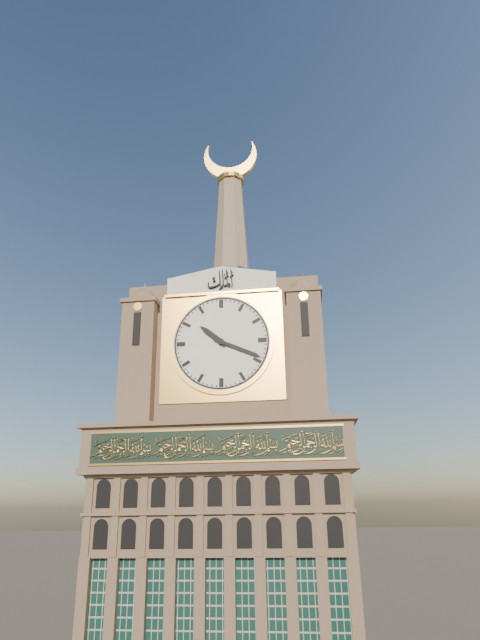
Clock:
10 h 19 min
